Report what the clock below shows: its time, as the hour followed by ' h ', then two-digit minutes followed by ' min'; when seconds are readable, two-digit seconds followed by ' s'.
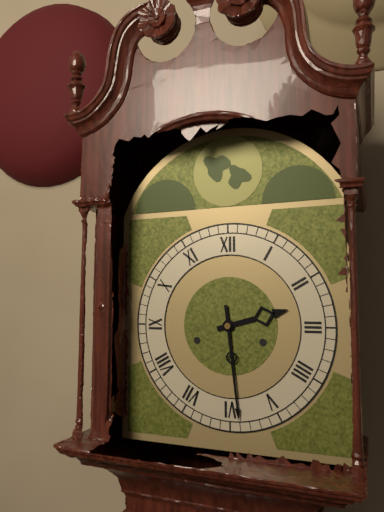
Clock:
2 h 29 min
